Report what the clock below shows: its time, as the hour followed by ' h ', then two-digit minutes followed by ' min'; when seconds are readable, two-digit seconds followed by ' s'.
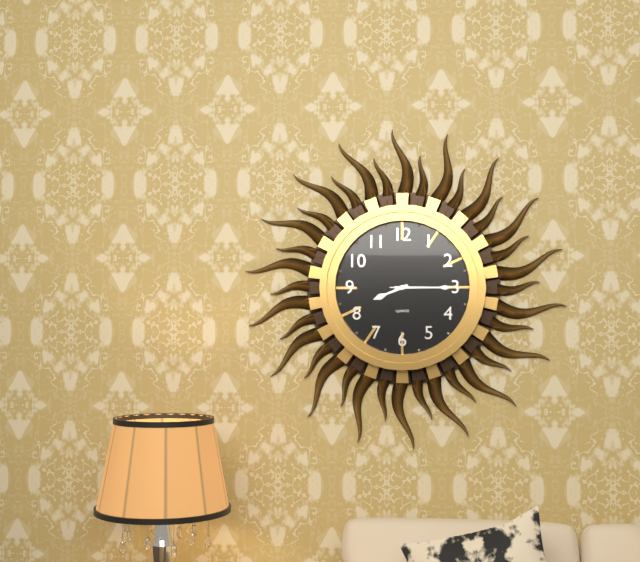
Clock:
8 h 15 min 15 s
